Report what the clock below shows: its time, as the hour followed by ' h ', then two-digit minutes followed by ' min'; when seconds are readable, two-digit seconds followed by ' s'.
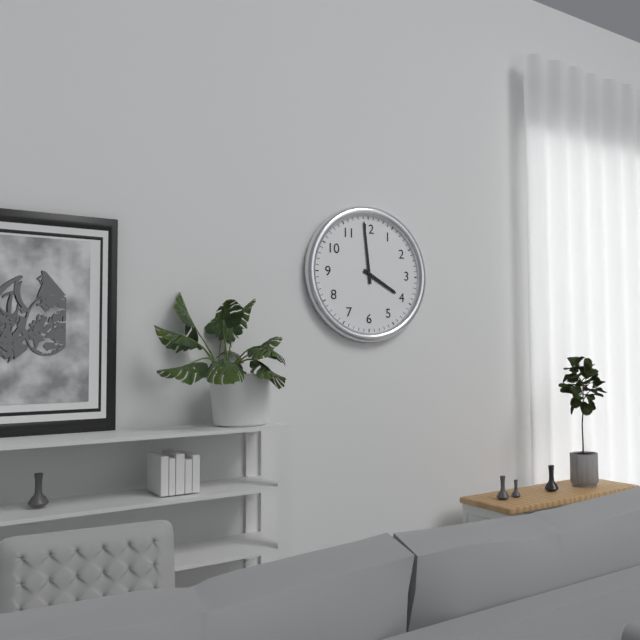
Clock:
3 h 59 min
